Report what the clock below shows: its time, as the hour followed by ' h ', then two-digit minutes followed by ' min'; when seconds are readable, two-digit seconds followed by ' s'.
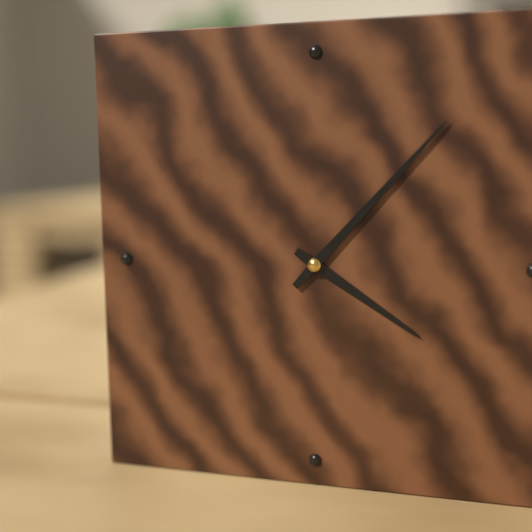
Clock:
4 h 07 min
